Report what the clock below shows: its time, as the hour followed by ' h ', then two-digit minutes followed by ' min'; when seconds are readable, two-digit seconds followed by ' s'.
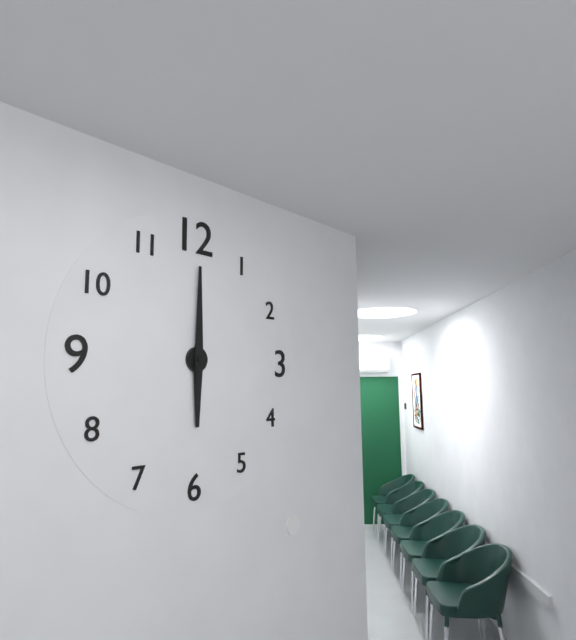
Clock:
6 h 00 min
